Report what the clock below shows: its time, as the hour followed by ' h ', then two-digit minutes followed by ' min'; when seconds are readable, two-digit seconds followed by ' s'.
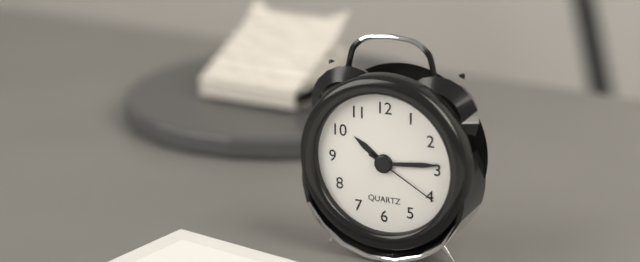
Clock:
10 h 14 min 20 s
